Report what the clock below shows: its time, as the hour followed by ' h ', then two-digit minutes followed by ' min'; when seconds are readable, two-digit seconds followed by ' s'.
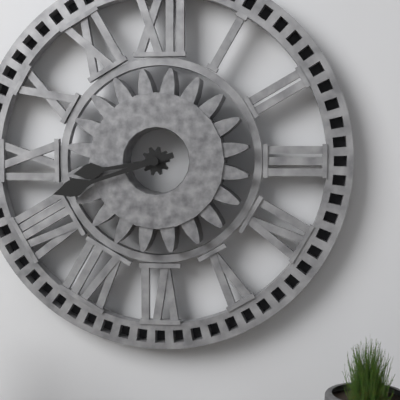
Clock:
8 h 42 min
